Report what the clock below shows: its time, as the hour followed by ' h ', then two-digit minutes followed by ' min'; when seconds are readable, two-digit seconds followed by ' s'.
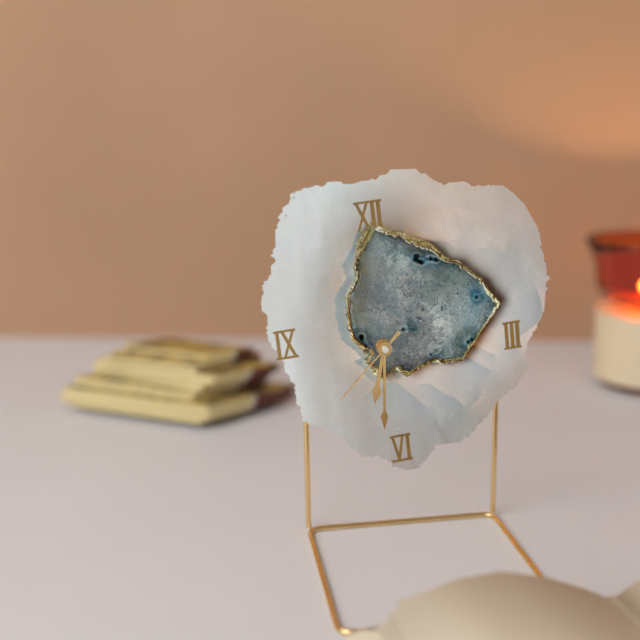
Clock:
6 h 31 min 38 s
